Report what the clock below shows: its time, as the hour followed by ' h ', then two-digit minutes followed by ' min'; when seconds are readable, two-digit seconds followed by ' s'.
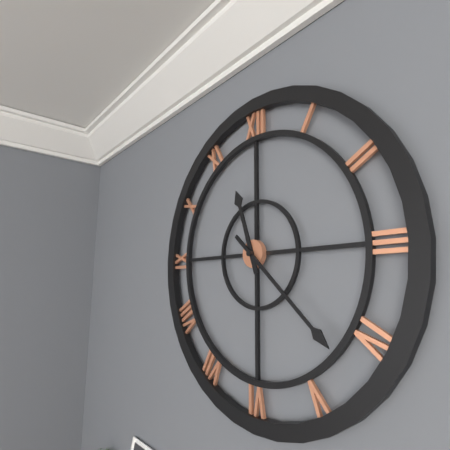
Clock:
11 h 22 min
